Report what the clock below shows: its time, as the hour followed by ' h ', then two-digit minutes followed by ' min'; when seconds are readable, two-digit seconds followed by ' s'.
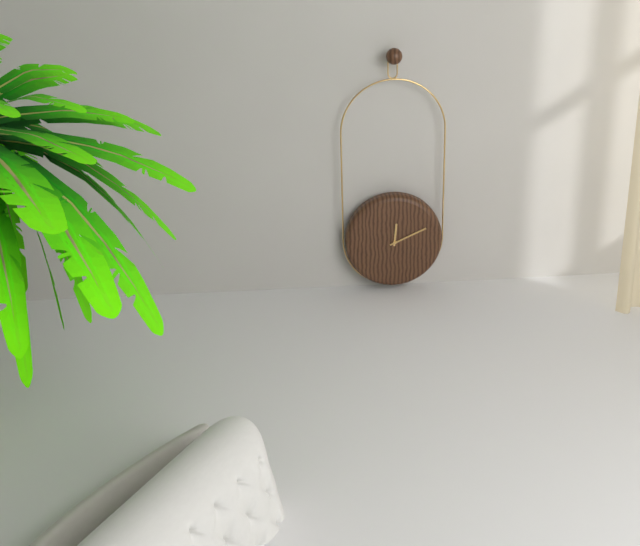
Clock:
12 h 11 min
